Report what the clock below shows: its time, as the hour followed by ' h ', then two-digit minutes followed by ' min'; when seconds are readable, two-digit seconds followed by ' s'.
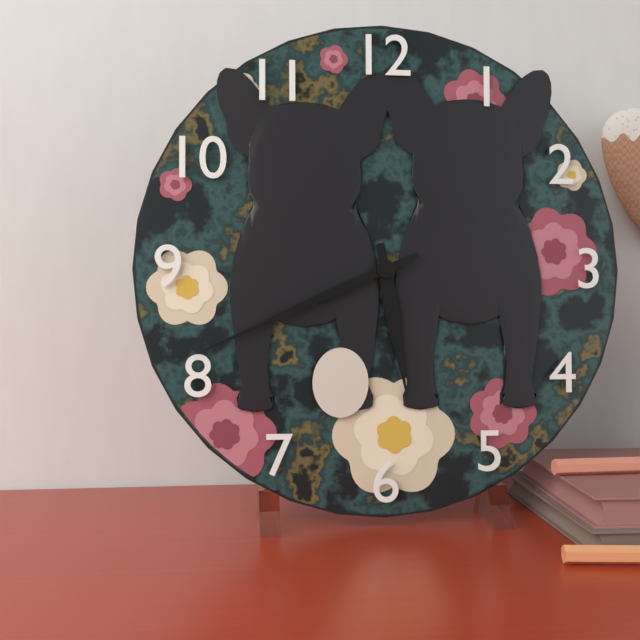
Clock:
5 h 41 min
